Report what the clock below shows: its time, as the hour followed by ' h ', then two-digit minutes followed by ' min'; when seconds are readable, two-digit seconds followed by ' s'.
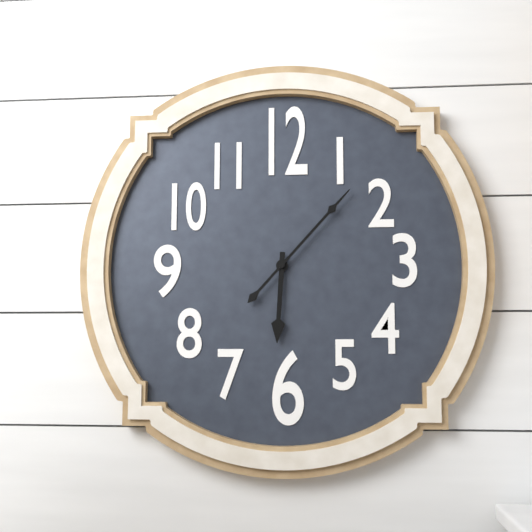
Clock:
6 h 07 min
